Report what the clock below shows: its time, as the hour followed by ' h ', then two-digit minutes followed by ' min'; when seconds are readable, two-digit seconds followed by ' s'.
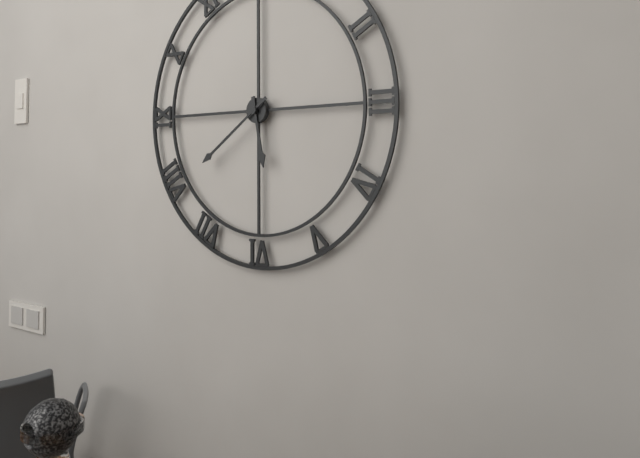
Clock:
5 h 39 min
